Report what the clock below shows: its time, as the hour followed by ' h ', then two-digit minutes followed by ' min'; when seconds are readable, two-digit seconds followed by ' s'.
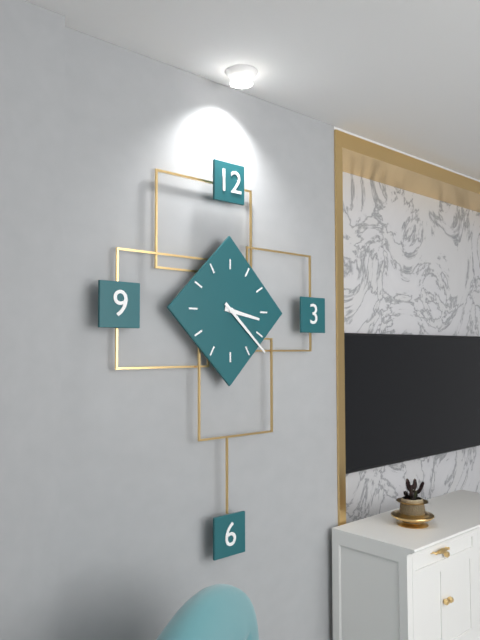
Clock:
3 h 22 min
